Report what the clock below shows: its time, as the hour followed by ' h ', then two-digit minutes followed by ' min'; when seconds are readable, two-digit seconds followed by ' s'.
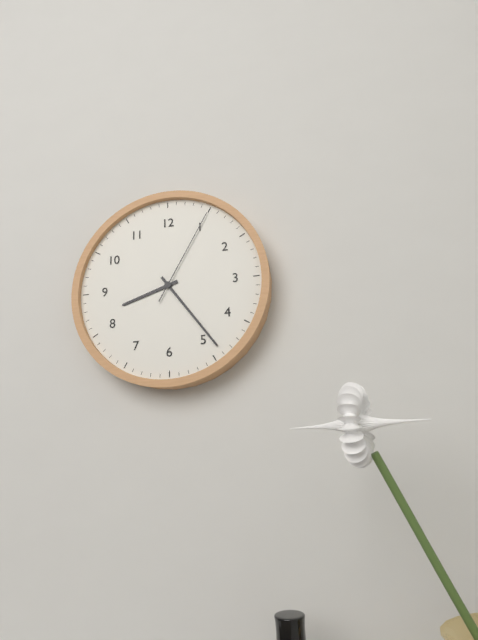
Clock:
8 h 24 min 05 s
